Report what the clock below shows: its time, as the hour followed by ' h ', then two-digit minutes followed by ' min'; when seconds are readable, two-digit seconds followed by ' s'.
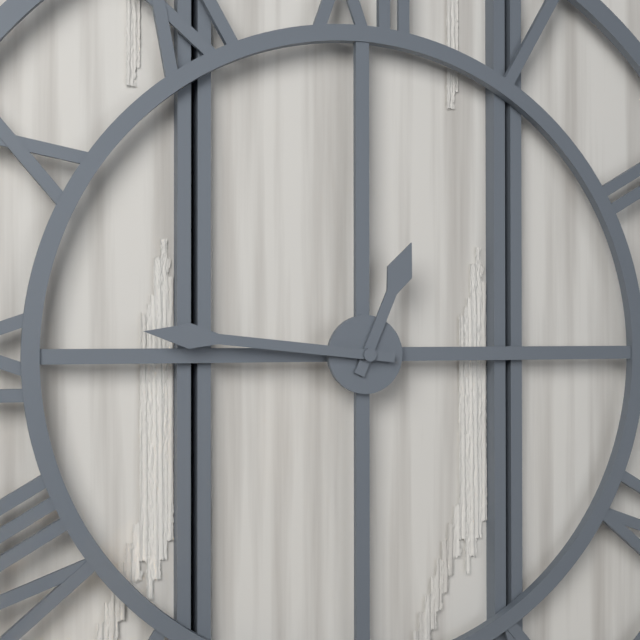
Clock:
12 h 46 min
